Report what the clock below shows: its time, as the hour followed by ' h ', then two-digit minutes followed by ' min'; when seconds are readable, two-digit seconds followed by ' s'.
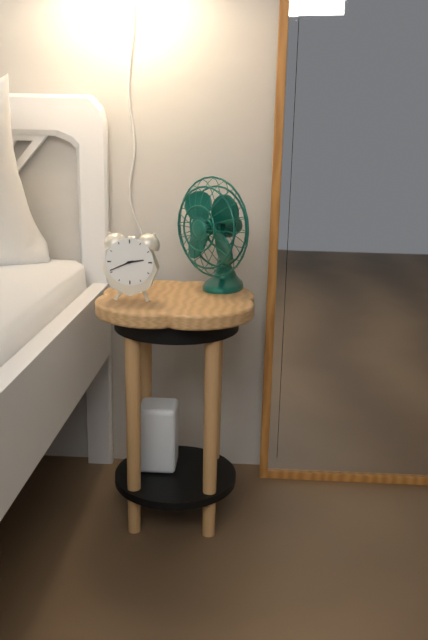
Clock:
2 h 41 min
